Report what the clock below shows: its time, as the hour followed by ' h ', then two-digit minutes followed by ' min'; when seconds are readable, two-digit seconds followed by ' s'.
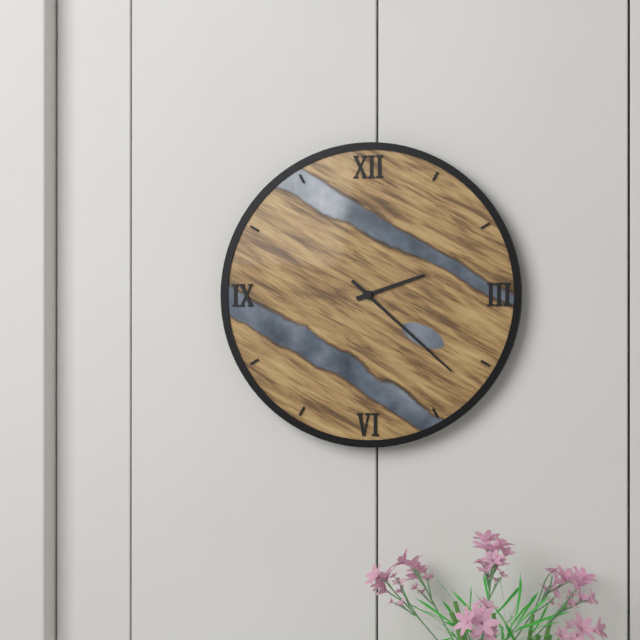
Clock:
2 h 22 min
